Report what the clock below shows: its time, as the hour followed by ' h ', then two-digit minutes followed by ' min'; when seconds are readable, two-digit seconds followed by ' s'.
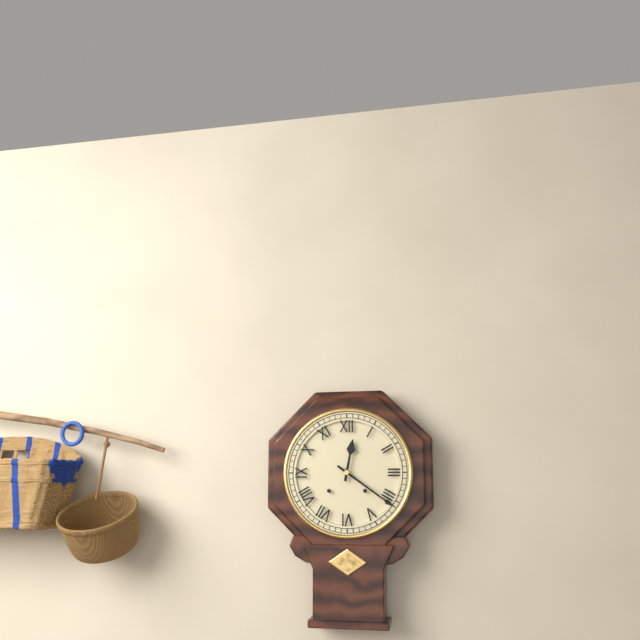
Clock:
12 h 21 min
